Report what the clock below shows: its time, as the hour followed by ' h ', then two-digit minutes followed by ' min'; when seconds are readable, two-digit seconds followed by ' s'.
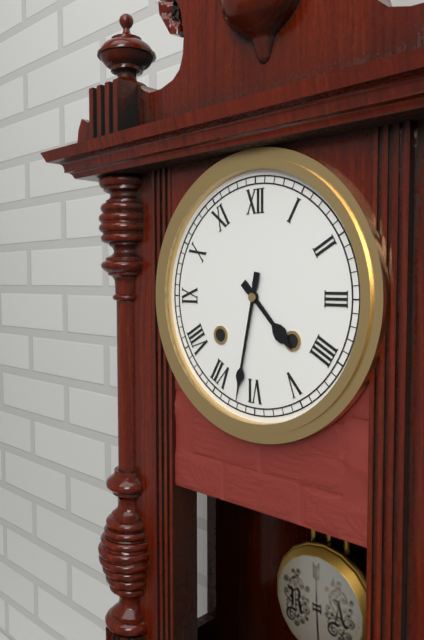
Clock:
4 h 32 min
